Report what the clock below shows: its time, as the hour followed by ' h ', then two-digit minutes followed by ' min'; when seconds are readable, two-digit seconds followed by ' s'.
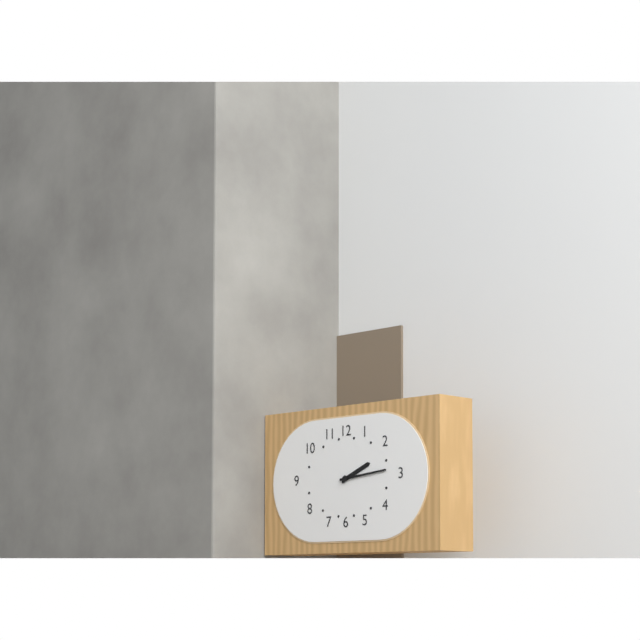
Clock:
2 h 14 min
